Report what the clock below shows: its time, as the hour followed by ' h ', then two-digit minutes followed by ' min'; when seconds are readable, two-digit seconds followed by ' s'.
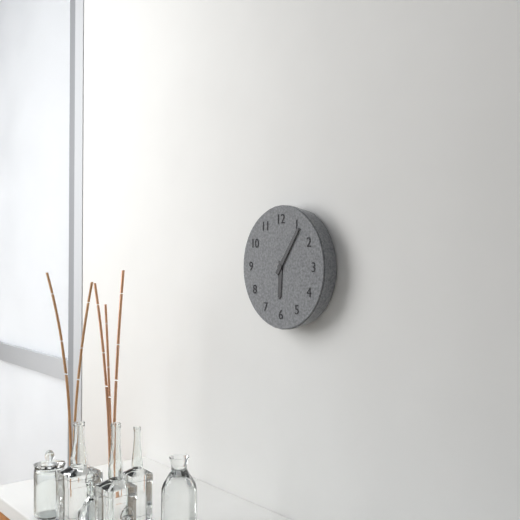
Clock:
6 h 06 min
